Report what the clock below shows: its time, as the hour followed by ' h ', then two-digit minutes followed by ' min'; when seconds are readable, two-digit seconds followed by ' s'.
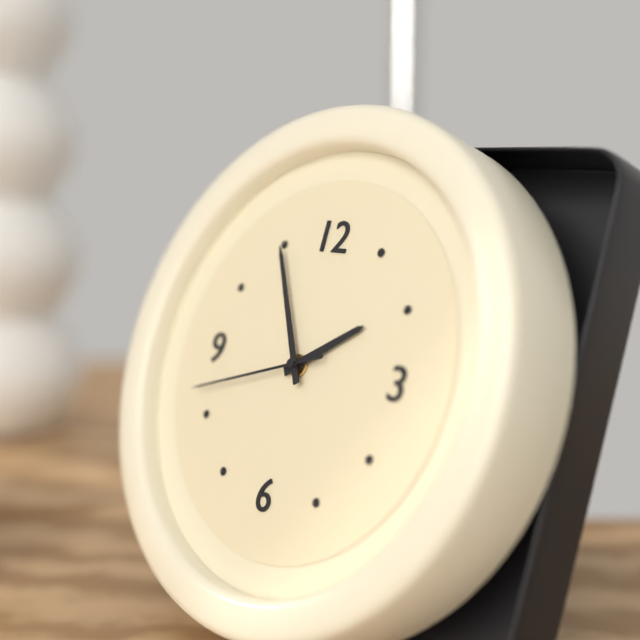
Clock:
1 h 55 min 42 s
